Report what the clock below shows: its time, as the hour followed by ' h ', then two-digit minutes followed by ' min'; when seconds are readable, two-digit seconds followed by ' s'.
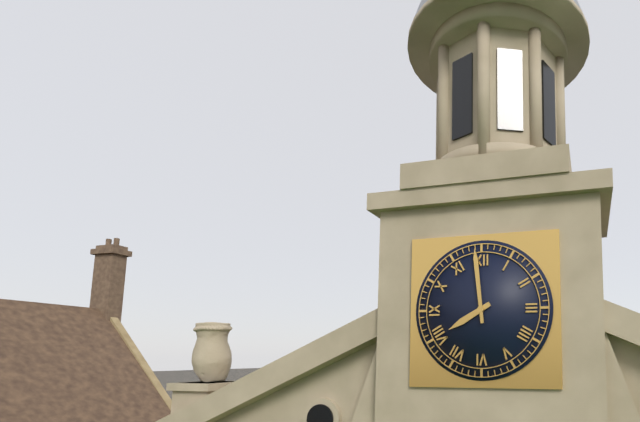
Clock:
7 h 59 min
